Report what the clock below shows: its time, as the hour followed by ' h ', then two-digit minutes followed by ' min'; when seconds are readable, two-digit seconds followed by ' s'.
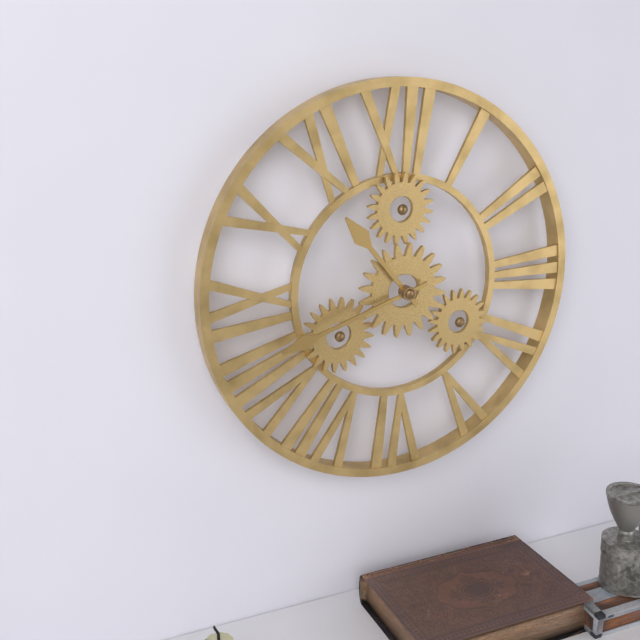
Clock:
10 h 42 min
